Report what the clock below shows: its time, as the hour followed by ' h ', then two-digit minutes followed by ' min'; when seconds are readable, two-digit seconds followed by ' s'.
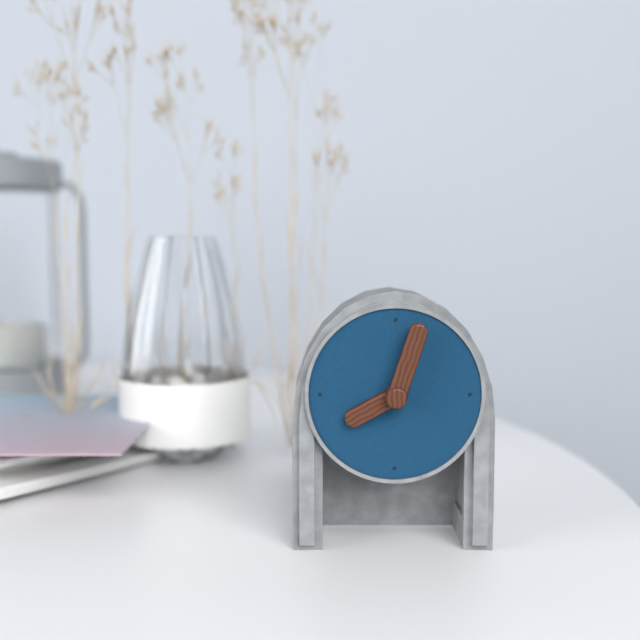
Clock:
8 h 03 min
